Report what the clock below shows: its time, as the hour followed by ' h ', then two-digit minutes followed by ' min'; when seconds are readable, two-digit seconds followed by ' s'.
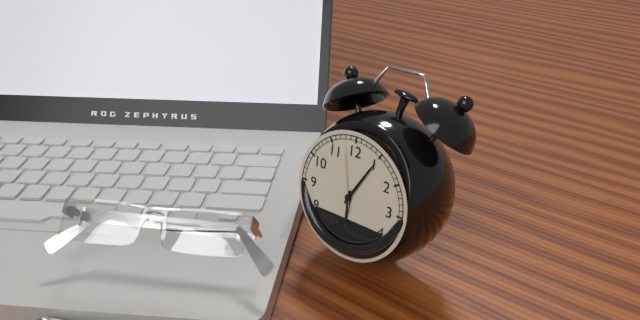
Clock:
6 h 05 min 58 s
